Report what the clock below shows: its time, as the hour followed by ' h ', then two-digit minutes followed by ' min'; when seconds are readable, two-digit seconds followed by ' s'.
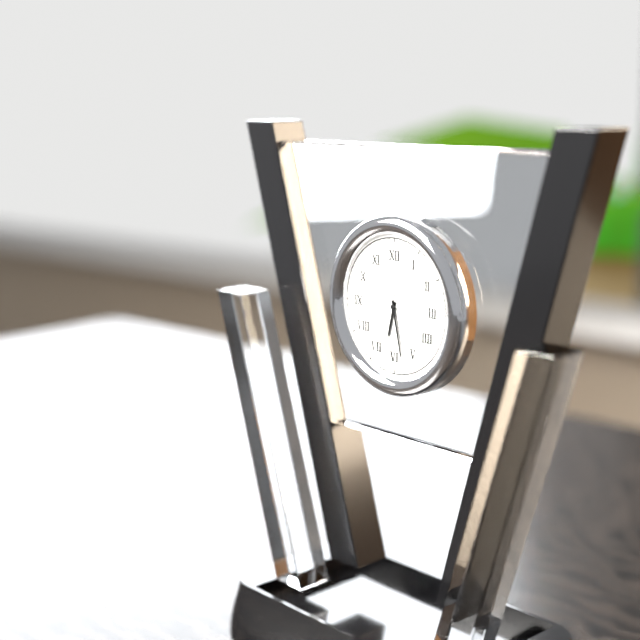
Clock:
6 h 28 min 32 s
